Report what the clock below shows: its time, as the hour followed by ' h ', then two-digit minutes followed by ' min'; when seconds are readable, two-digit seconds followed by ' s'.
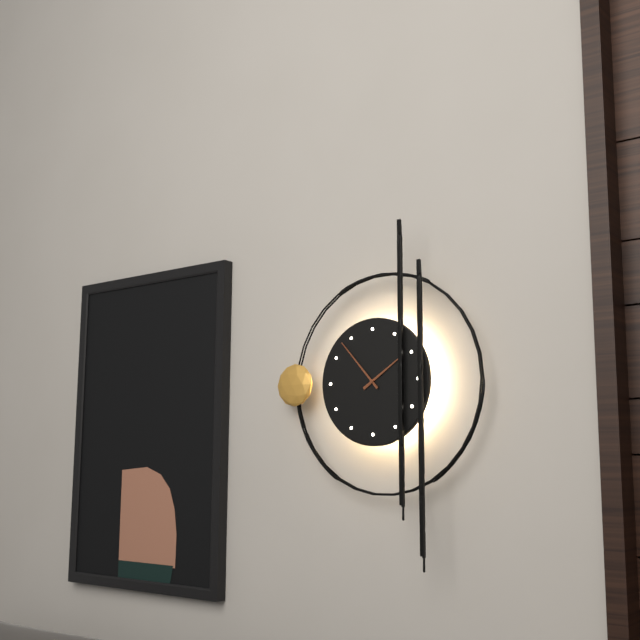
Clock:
1 h 53 min
